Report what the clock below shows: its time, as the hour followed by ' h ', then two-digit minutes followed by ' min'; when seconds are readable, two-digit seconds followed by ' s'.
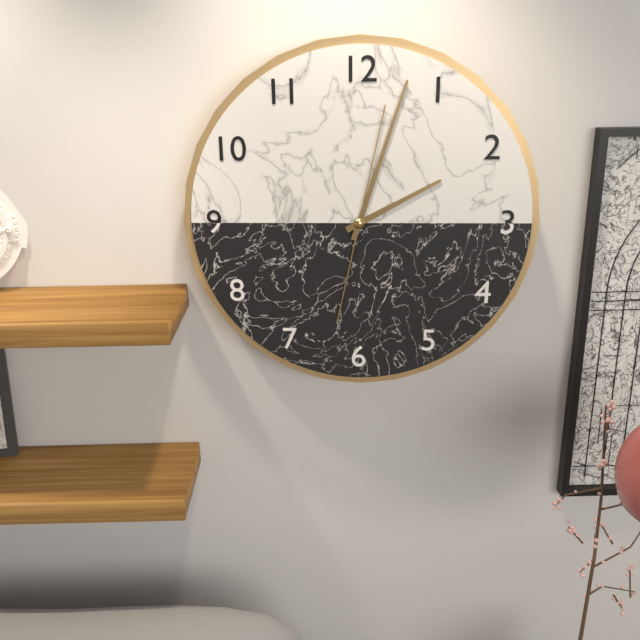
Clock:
2 h 03 min 02 s
